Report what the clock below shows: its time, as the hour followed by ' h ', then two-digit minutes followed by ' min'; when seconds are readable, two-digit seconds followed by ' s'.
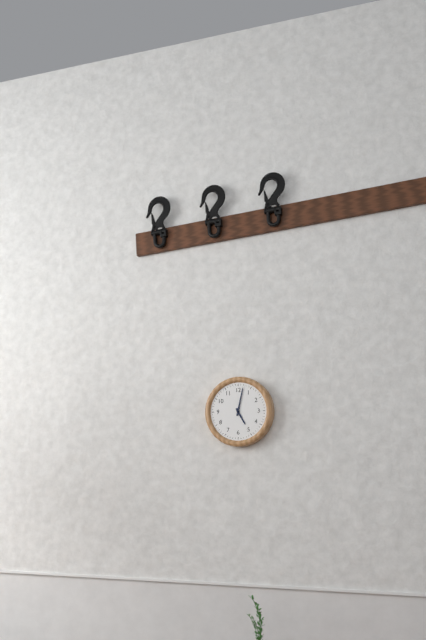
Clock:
5 h 02 min
